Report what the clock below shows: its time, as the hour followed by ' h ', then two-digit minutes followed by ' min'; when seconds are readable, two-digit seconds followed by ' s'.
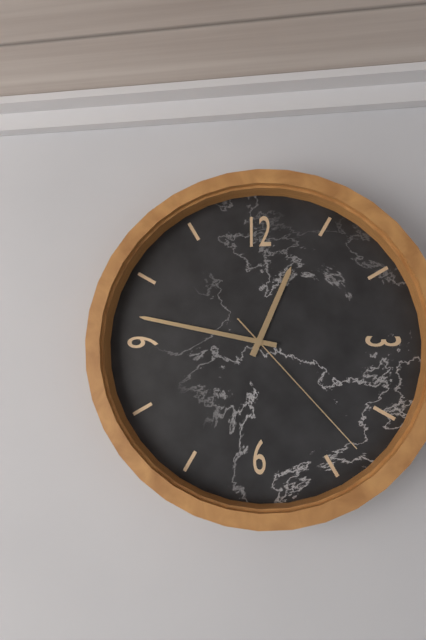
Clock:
12 h 47 min 23 s
